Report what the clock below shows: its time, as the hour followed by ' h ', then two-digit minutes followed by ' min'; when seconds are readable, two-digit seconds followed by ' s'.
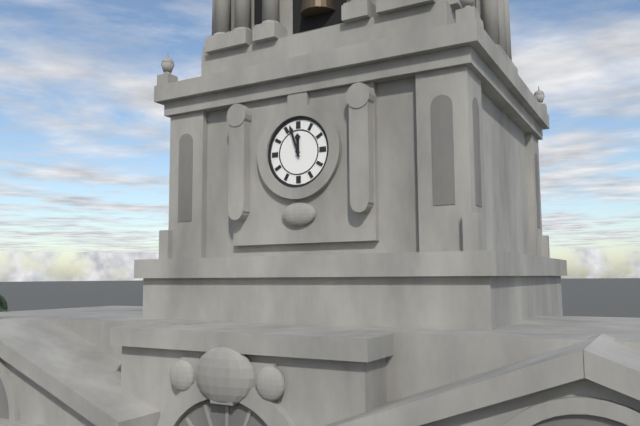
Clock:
11 h 57 min
